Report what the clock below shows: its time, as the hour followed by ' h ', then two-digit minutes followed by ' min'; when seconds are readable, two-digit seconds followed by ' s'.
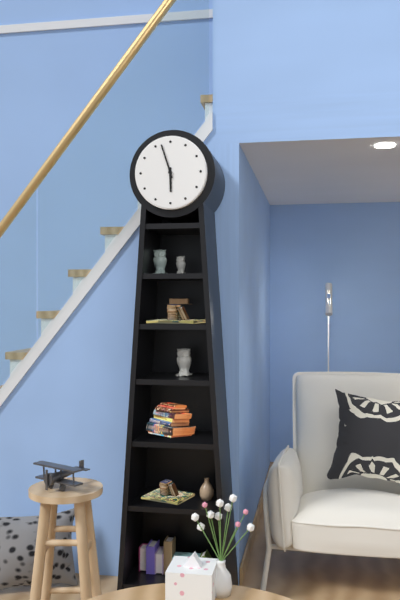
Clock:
5 h 57 min
